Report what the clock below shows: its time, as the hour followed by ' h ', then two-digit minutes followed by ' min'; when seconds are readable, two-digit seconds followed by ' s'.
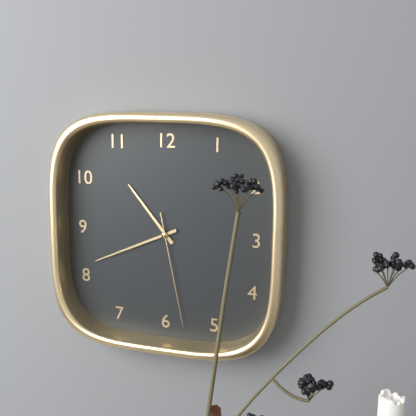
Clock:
10 h 41 min 28 s
